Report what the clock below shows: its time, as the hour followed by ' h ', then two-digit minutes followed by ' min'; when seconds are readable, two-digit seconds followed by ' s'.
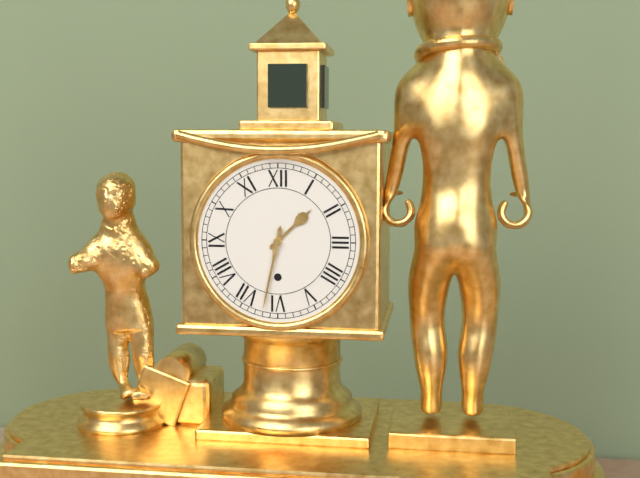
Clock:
1 h 32 min
